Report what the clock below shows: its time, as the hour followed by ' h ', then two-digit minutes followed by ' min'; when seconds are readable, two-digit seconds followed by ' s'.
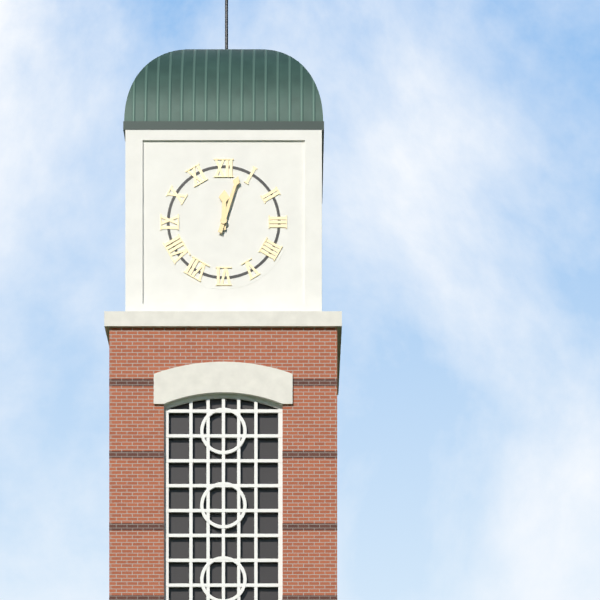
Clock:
12 h 03 min
